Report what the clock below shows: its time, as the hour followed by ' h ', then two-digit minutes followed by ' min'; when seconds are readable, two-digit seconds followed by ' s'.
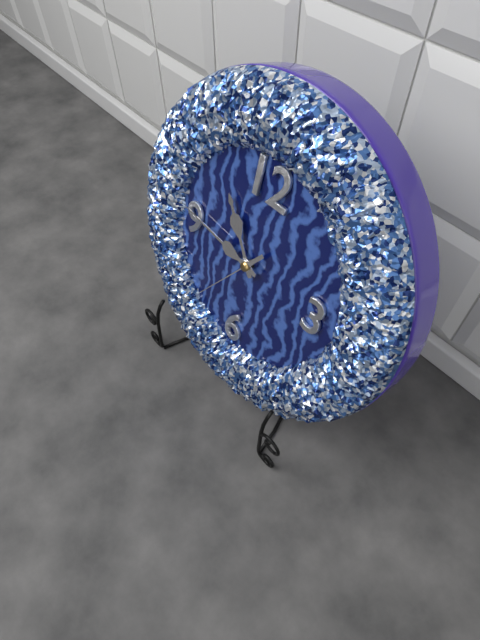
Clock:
10 h 46 min 36 s
